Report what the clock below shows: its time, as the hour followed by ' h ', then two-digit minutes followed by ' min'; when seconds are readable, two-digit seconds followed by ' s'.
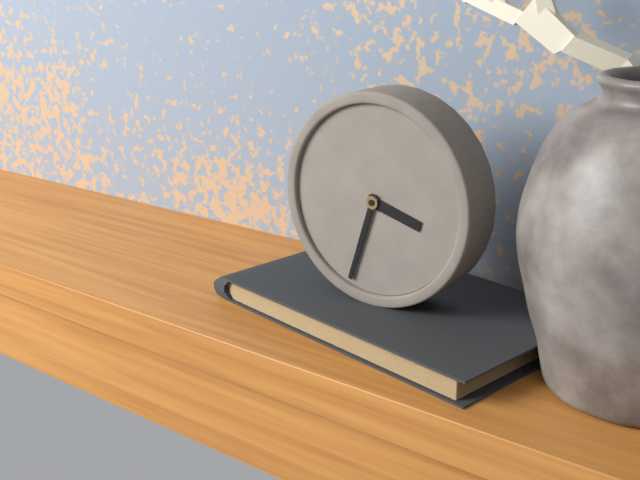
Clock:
3 h 33 min
